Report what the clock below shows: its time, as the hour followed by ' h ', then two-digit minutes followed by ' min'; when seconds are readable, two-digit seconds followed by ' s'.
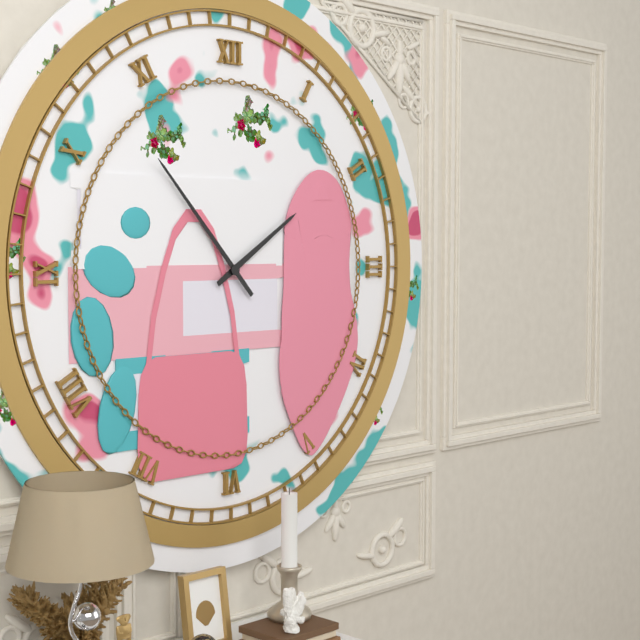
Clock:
1 h 53 min
